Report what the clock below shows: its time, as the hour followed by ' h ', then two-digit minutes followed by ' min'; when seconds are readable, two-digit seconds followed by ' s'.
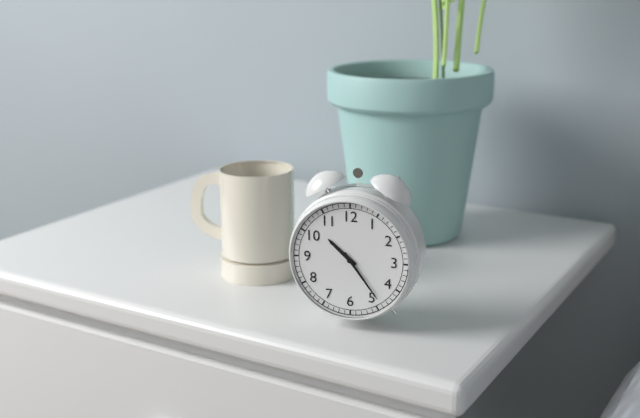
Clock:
10 h 24 min
